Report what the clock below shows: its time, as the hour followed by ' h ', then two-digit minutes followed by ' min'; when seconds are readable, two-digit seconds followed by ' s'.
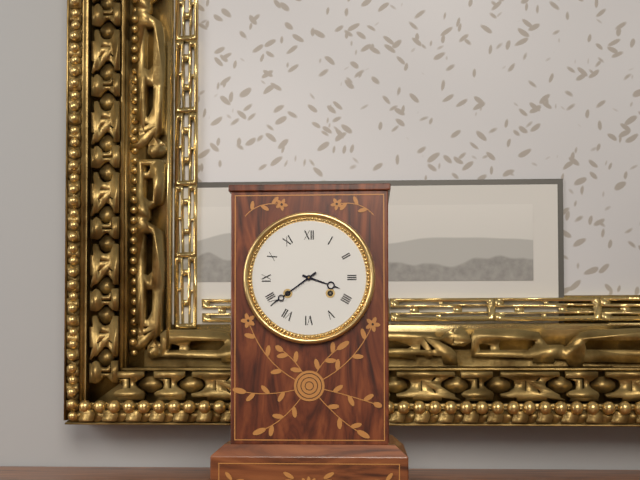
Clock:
3 h 39 min
